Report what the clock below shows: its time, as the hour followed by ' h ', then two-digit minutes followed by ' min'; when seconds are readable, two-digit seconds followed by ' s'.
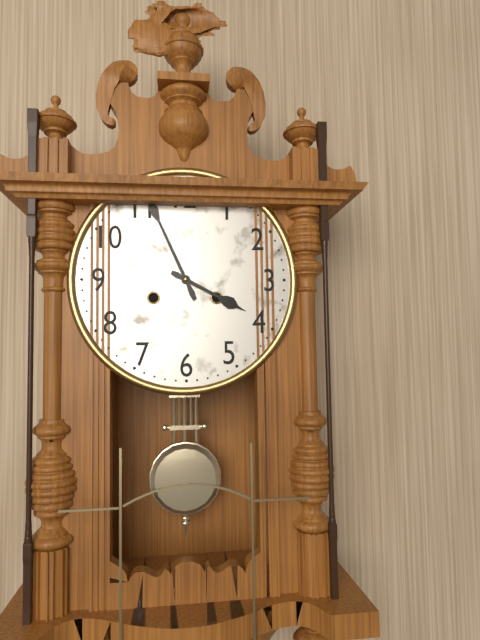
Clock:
3 h 56 min
